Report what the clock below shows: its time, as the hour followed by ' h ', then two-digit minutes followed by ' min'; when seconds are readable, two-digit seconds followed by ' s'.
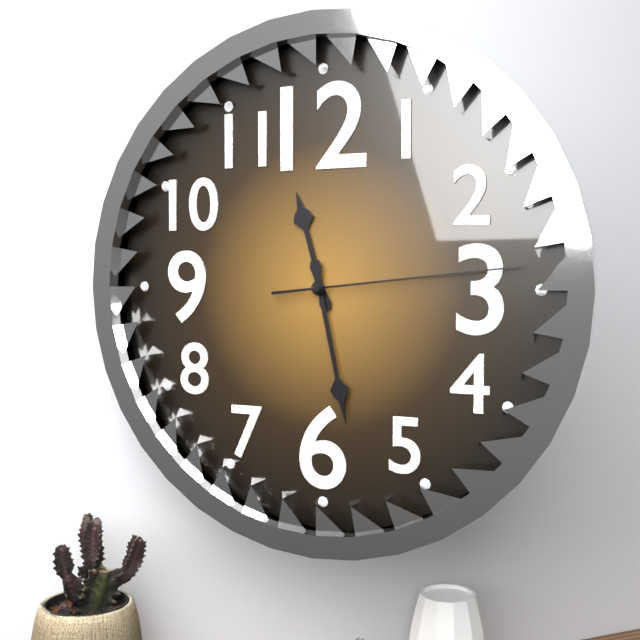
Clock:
11 h 28 min 14 s
